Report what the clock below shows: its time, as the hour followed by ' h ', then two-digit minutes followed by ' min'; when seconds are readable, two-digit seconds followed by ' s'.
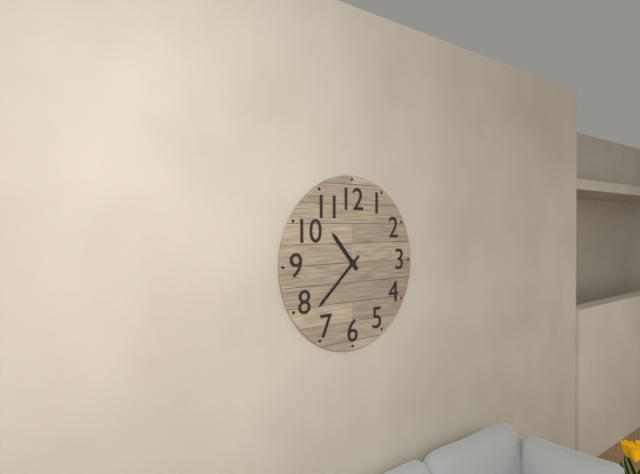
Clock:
10 h 38 min
